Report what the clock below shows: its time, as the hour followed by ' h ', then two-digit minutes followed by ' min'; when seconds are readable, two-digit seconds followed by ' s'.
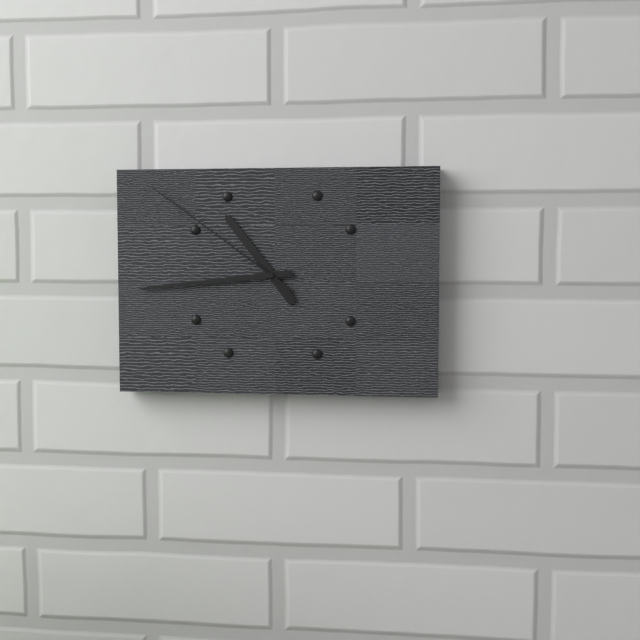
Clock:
10 h 44 min 51 s
